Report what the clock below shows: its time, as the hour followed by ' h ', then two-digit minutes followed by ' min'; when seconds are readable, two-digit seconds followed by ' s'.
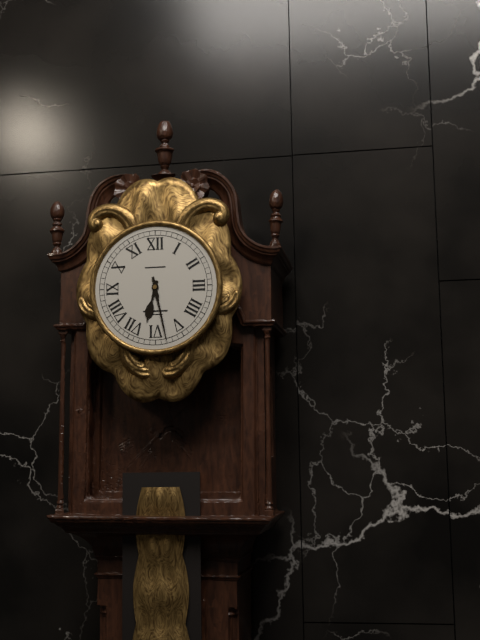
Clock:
6 h 28 min
